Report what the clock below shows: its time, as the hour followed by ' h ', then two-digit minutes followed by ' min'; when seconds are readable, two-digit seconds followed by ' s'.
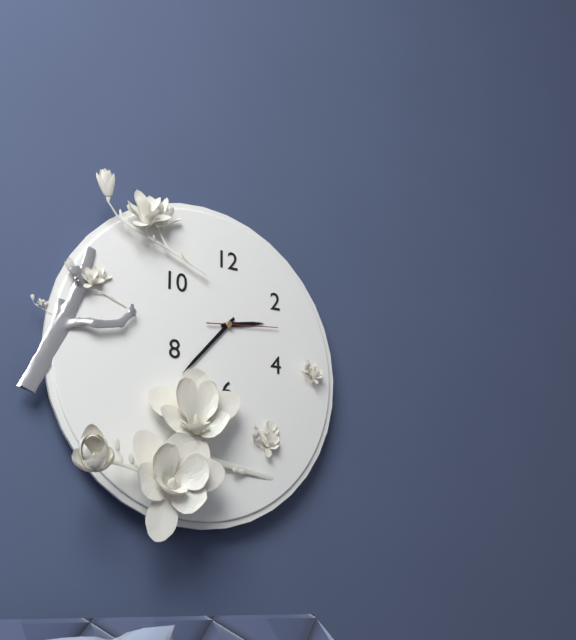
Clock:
2 h 37 min 14 s
